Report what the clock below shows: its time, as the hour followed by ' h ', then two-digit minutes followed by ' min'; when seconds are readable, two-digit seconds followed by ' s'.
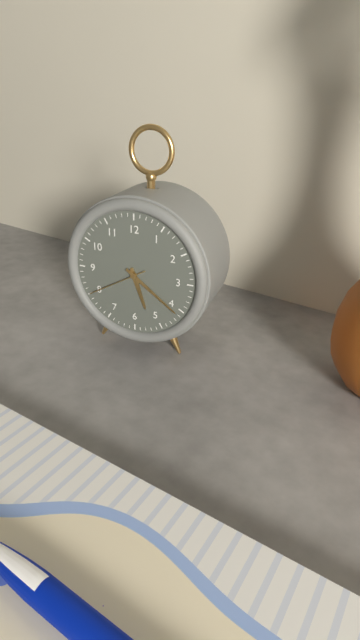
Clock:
5 h 21 min 40 s
